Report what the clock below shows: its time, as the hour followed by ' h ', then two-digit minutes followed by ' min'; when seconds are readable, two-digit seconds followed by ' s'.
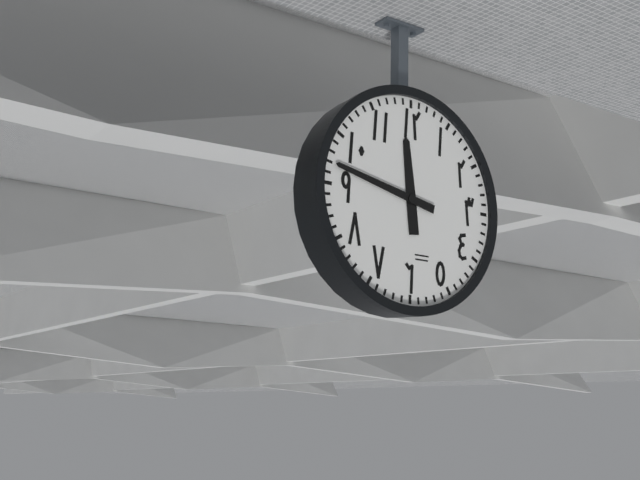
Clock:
11 h 47 min
